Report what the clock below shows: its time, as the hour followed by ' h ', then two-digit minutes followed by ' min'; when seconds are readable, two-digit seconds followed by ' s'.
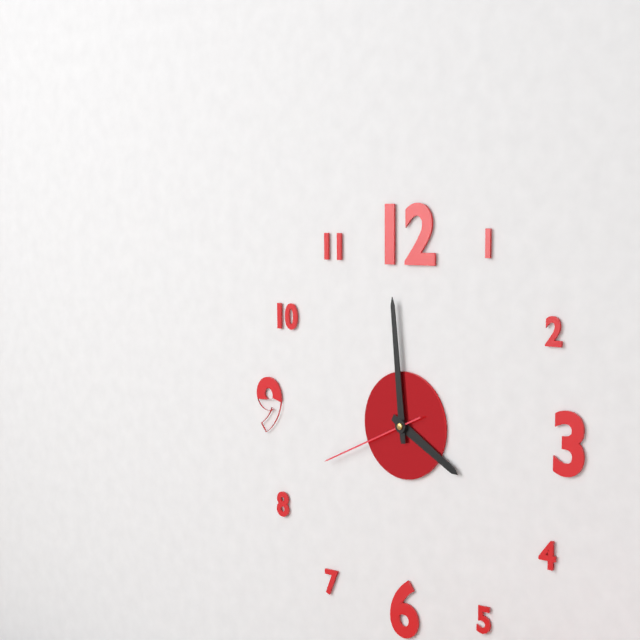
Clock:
3 h 59 min 41 s
